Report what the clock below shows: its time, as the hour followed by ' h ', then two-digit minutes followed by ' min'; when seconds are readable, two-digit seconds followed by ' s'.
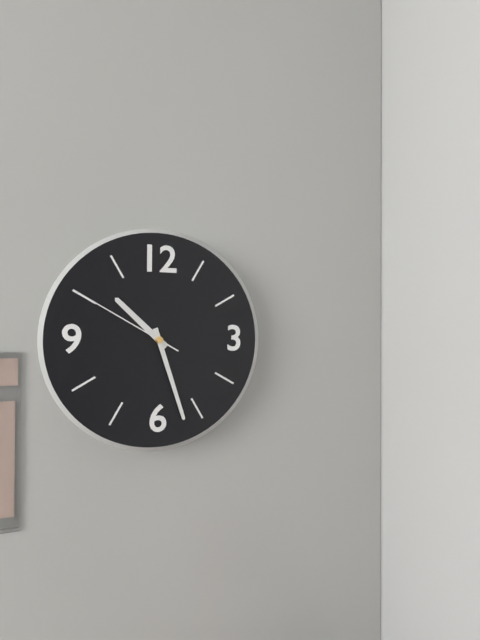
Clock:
10 h 27 min 50 s
